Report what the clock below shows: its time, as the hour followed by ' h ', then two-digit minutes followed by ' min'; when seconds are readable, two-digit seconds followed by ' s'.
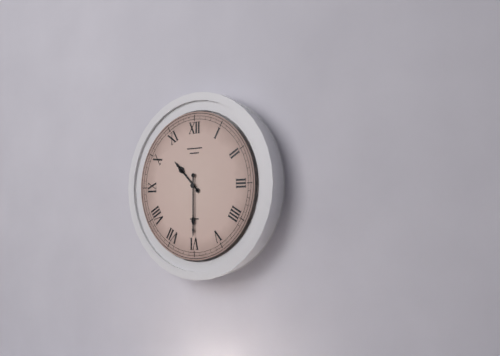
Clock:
10 h 30 min
